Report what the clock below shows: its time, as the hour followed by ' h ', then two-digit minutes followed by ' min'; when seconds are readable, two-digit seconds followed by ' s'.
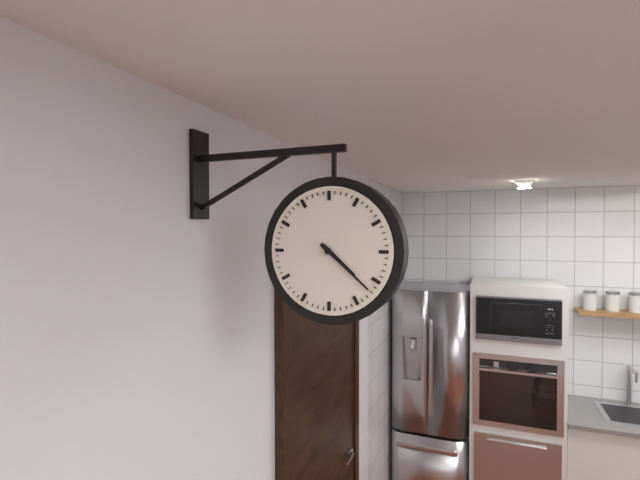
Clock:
4 h 22 min
